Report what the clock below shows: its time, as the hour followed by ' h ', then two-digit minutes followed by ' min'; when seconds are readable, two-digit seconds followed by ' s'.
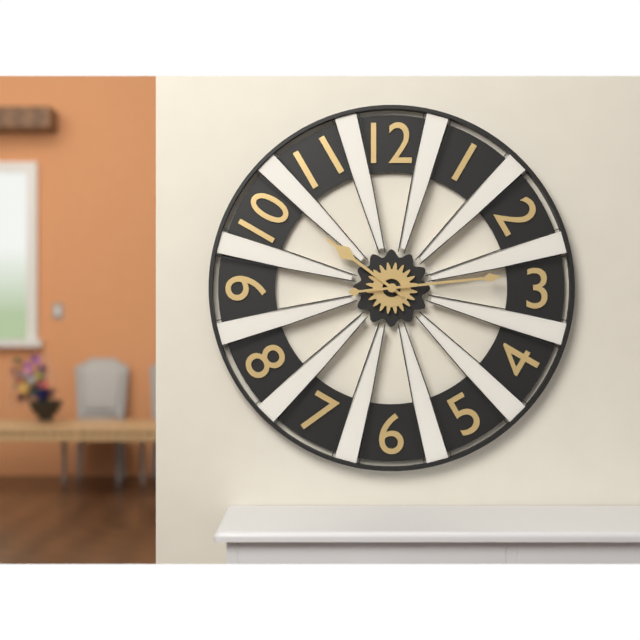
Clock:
10 h 14 min
